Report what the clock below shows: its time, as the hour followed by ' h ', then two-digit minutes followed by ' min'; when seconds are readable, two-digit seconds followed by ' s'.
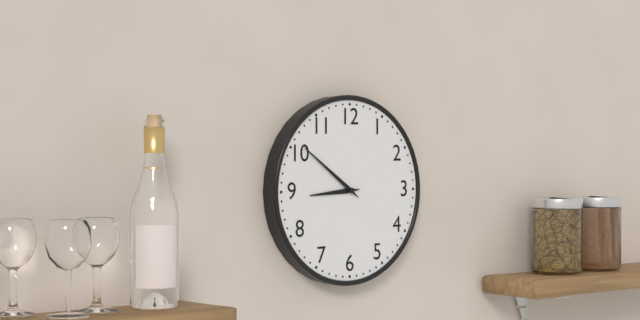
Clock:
8 h 51 min
